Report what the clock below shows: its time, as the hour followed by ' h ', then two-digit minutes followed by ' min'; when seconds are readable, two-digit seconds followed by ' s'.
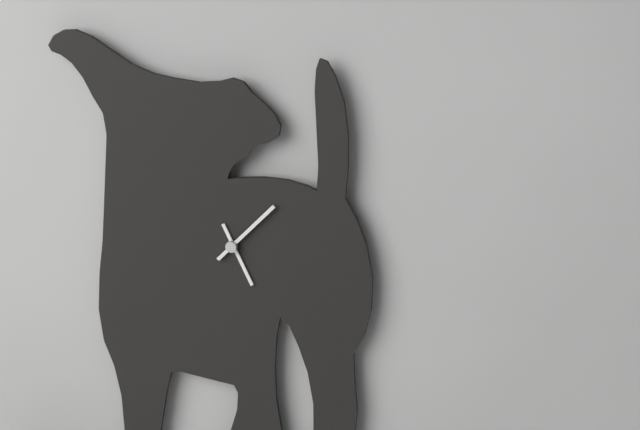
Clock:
5 h 07 min
